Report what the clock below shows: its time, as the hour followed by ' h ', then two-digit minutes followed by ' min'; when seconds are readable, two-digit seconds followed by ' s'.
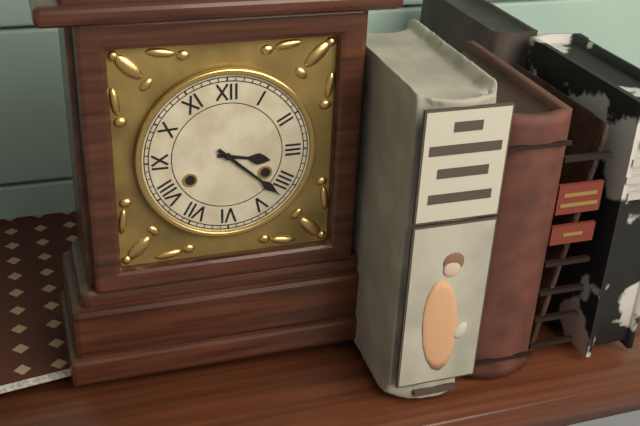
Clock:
3 h 22 min
